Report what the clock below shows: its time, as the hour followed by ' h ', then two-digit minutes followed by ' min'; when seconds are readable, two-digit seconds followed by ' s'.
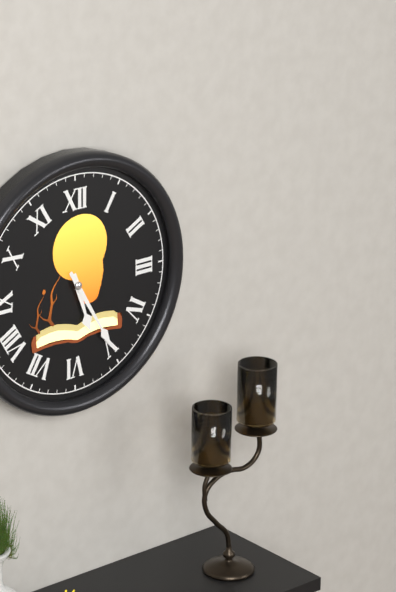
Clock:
5 h 25 min
